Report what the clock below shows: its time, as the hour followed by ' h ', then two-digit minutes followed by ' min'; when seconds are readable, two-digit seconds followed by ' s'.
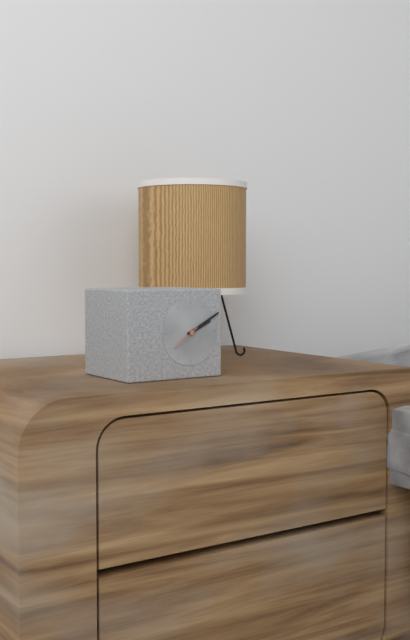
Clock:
2 h 10 min
